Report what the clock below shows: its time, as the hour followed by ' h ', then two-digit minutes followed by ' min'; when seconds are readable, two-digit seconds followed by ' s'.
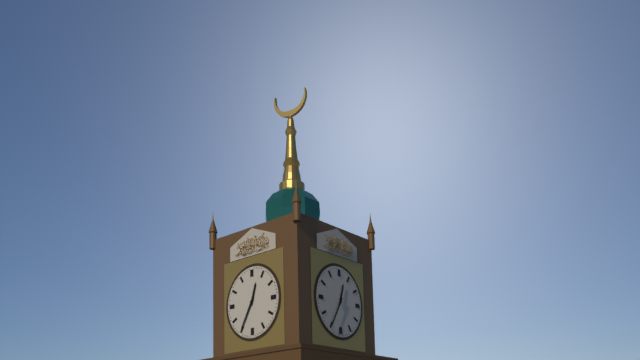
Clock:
12 h 35 min
